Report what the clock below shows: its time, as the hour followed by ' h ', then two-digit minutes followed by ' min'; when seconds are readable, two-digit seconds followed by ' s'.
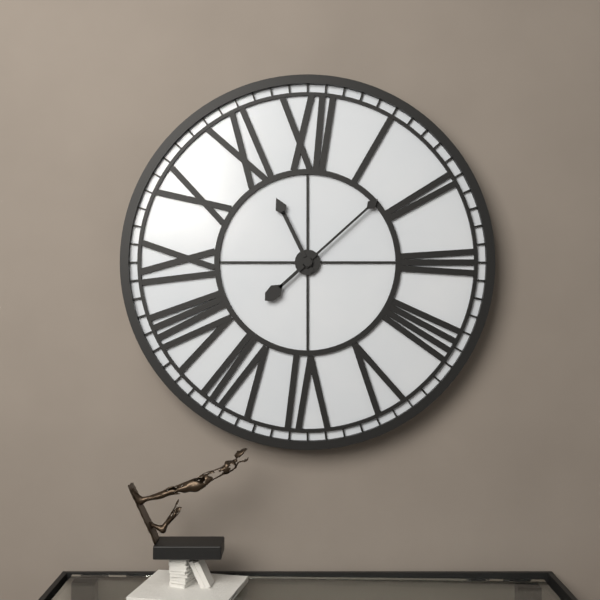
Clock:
11 h 08 min
